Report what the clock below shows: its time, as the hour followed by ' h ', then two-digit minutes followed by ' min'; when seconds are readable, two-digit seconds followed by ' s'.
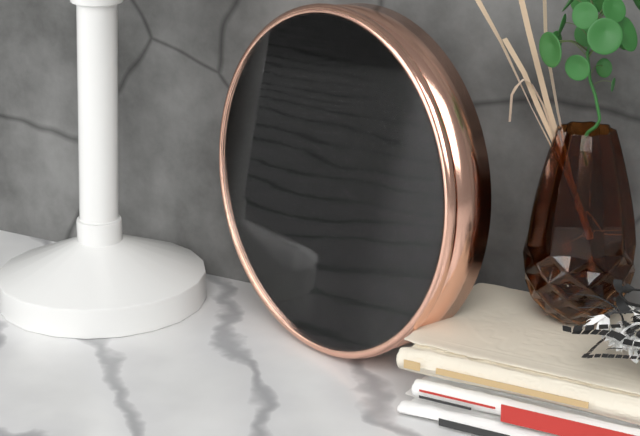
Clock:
7 h 49 min 29 s
